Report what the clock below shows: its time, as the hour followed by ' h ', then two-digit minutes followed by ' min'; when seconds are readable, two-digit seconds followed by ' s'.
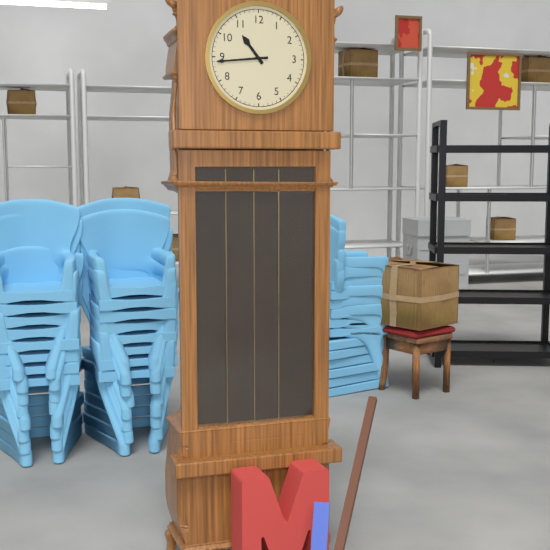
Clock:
10 h 44 min
